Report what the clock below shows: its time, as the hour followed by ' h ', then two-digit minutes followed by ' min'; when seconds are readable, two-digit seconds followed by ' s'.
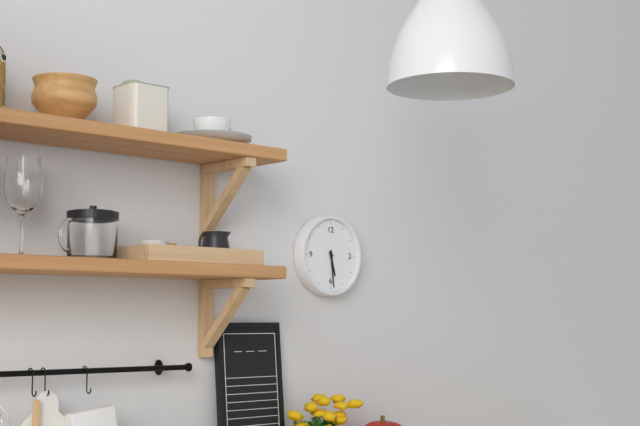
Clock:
5 h 29 min
